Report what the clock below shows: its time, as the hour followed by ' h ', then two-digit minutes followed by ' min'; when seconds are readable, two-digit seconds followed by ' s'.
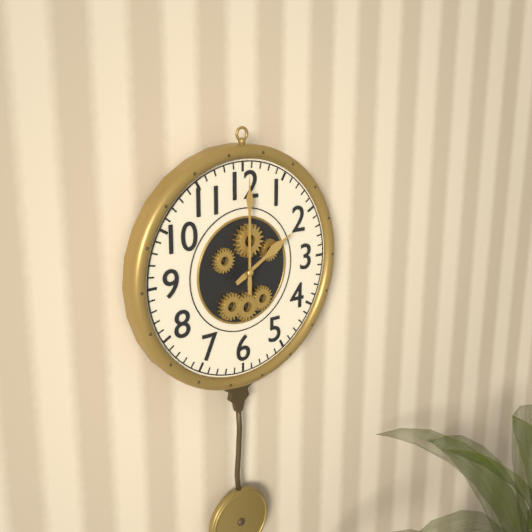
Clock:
2 h 00 min
